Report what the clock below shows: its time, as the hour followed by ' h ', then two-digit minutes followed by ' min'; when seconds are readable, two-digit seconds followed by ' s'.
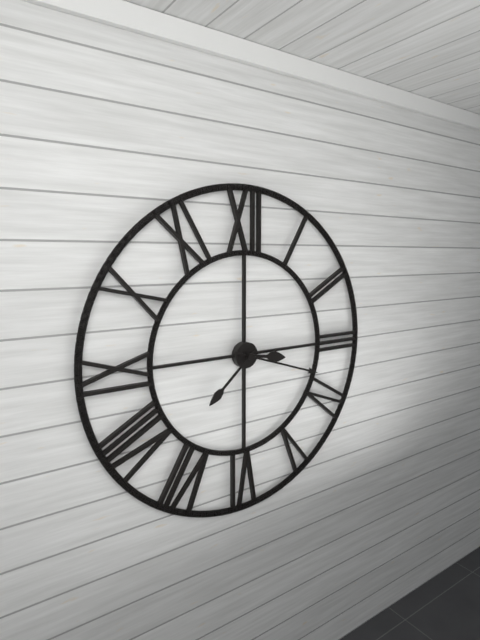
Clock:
3 h 18 min 38 s
